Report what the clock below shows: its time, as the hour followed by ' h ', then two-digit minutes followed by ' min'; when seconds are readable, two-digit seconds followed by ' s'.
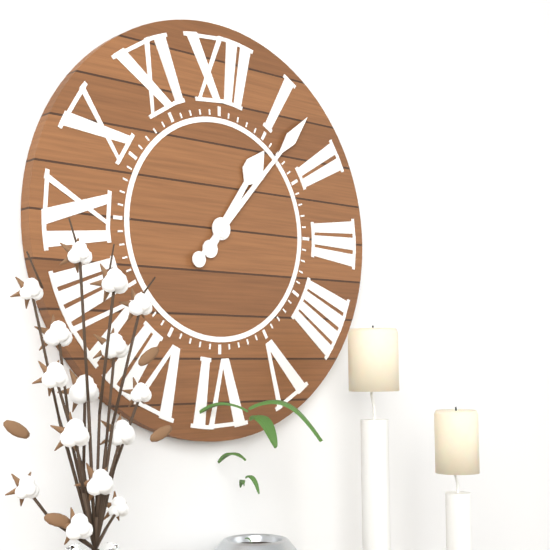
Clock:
1 h 07 min
